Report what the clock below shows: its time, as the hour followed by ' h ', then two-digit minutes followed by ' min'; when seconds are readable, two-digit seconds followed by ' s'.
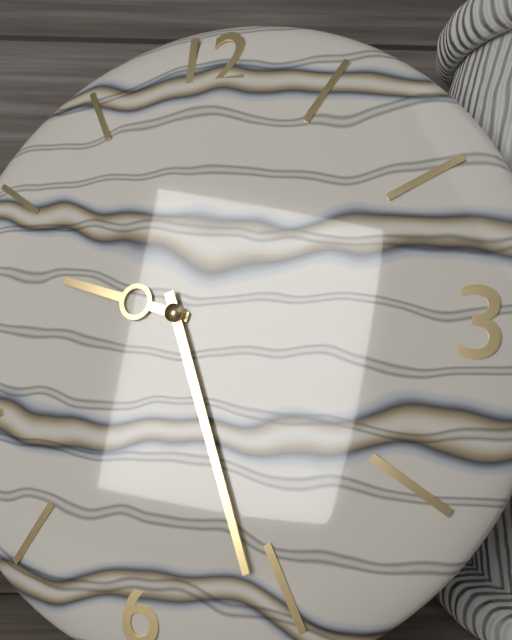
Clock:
9 h 26 min
